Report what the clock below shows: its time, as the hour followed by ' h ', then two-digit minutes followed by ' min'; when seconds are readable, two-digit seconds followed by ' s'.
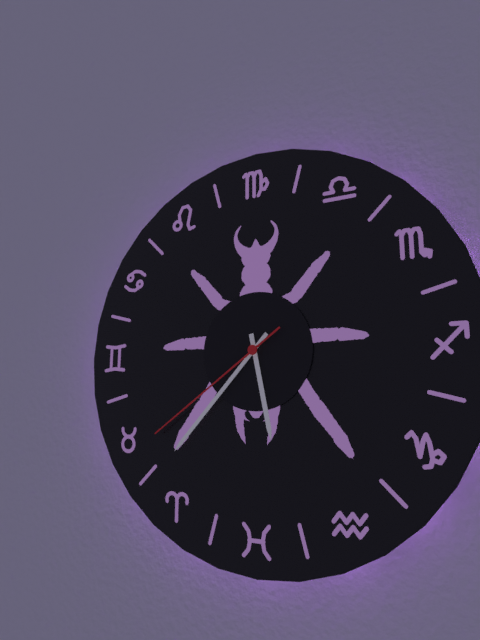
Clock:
5 h 37 min 39 s
